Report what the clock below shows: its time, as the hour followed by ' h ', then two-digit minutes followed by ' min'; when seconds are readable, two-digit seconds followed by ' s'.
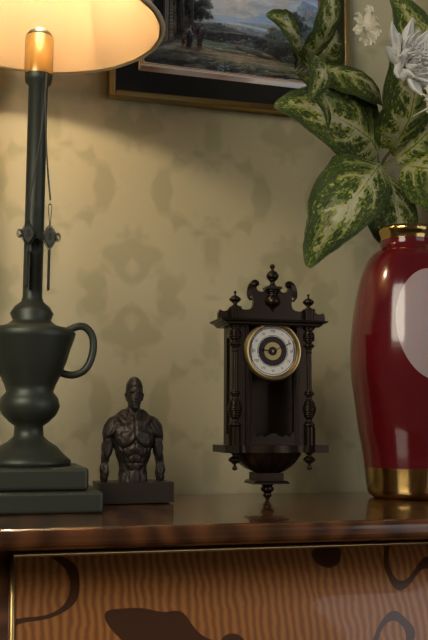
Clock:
9 h 11 min
